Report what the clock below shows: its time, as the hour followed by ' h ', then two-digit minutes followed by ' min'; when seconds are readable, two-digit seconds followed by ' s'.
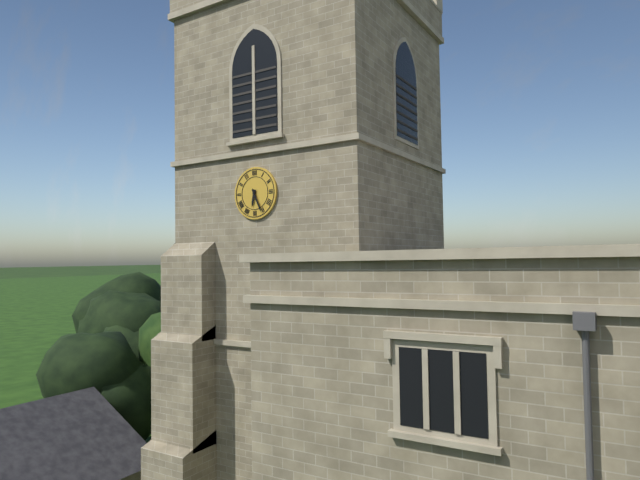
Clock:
6 h 26 min
